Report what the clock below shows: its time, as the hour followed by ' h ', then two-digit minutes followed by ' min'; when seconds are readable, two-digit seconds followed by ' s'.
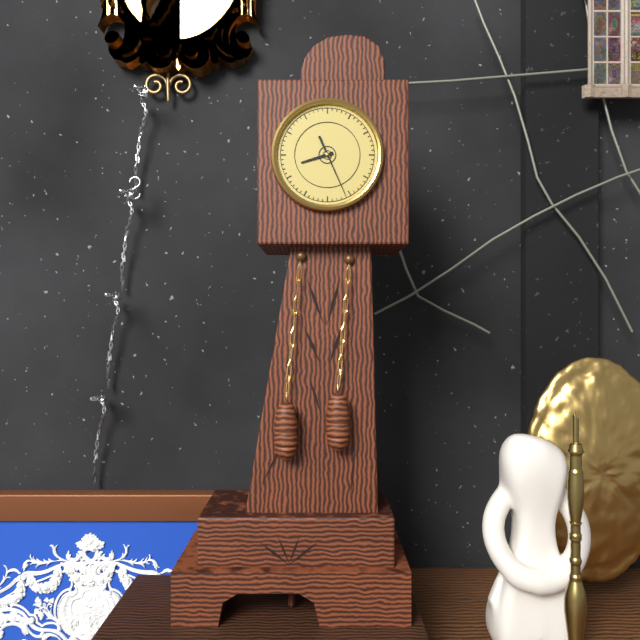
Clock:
8 h 26 min
